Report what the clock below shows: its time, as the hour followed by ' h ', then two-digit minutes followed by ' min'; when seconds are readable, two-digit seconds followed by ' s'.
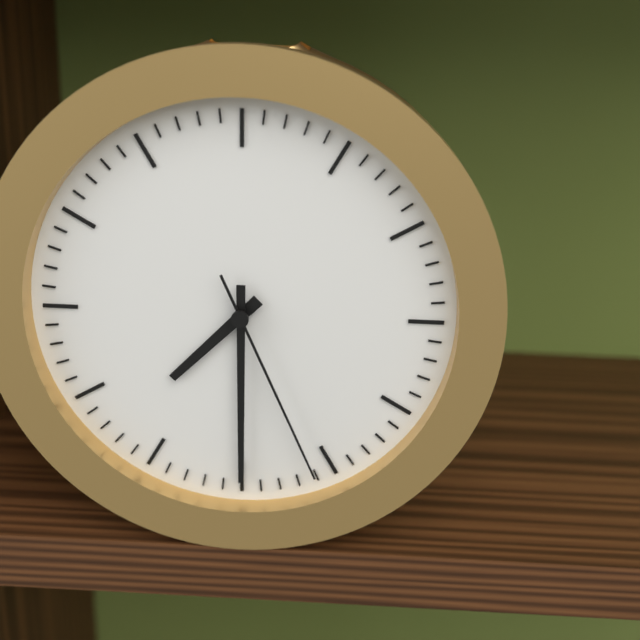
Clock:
7 h 30 min 26 s
